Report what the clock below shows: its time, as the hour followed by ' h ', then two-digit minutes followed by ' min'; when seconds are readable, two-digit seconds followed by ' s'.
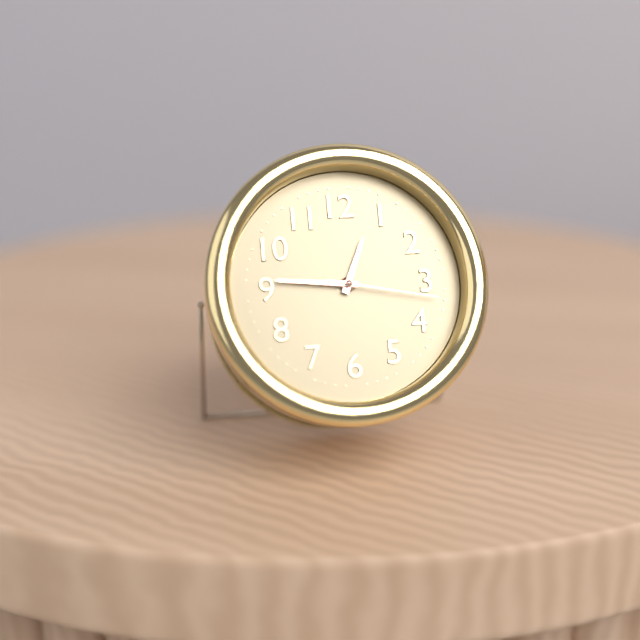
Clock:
12 h 46 min 17 s
